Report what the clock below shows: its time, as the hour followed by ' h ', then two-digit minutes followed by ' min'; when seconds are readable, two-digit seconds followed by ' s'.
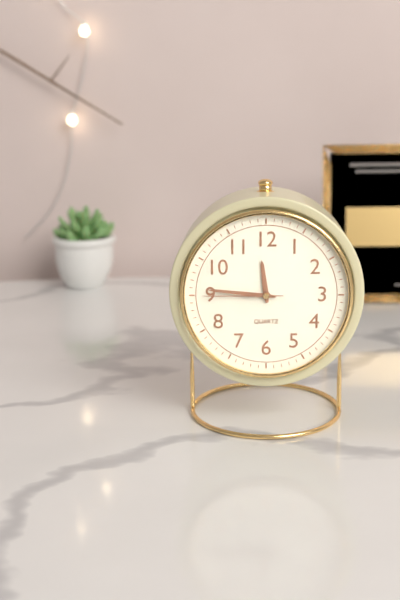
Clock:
11 h 46 min 45 s
